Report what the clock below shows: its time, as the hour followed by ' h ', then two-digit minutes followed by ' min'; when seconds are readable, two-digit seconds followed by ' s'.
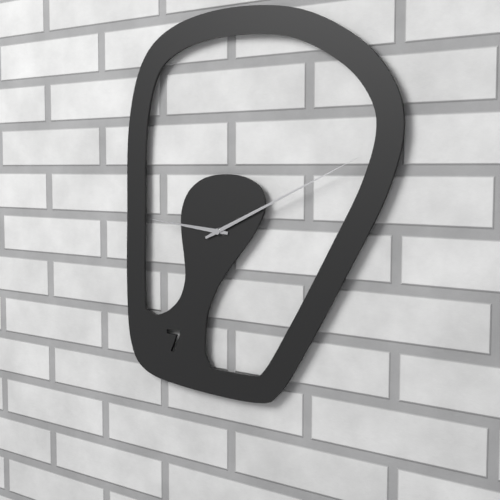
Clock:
9 h 11 min
